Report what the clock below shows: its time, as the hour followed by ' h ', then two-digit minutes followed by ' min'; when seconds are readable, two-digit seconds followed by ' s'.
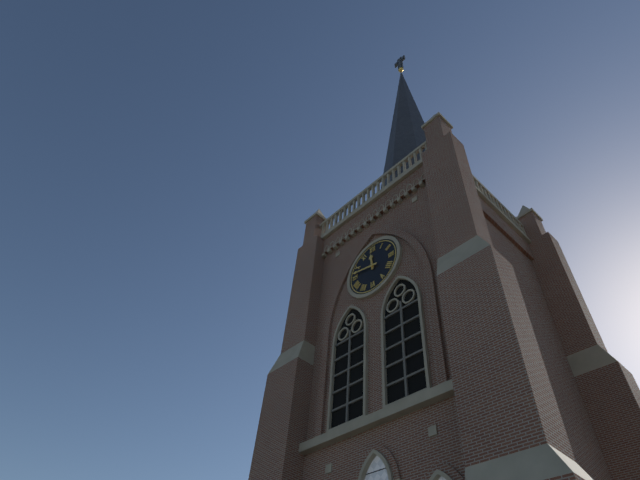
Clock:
11 h 47 min
